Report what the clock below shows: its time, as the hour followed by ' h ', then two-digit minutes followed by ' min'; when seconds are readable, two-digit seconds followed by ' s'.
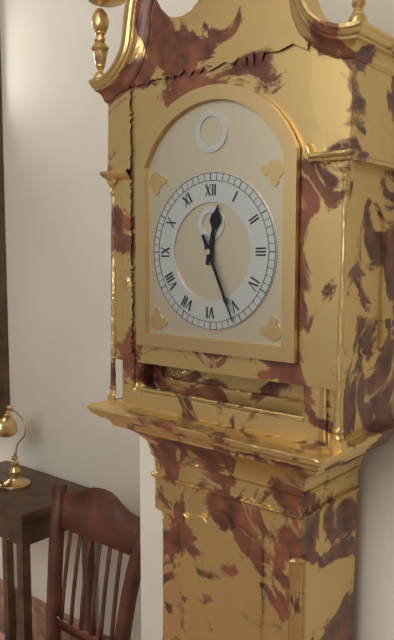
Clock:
12 h 26 min
